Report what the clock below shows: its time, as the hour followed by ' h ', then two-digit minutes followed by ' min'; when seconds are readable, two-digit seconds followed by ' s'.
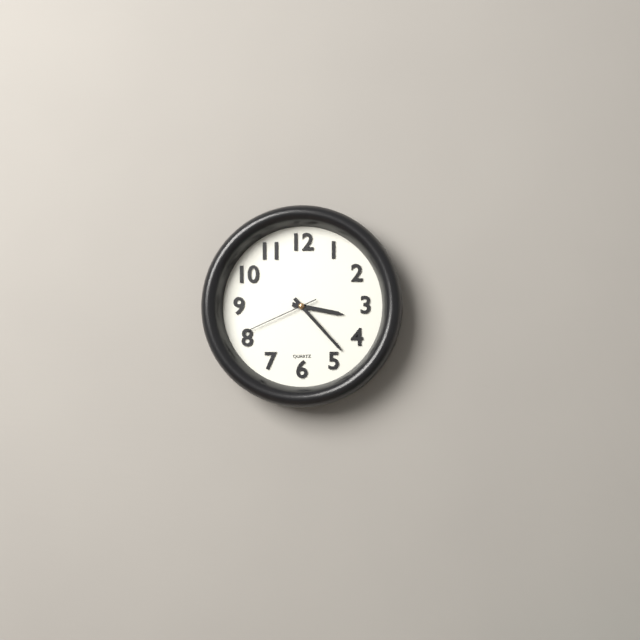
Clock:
3 h 23 min 41 s
